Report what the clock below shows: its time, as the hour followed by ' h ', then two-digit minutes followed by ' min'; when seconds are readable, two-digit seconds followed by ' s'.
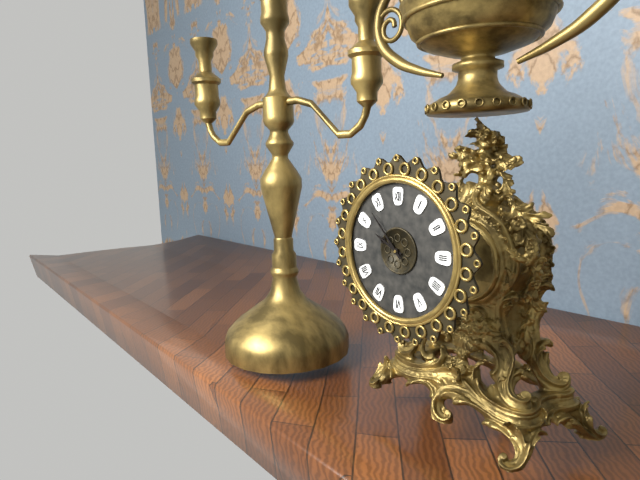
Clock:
9 h 53 min
